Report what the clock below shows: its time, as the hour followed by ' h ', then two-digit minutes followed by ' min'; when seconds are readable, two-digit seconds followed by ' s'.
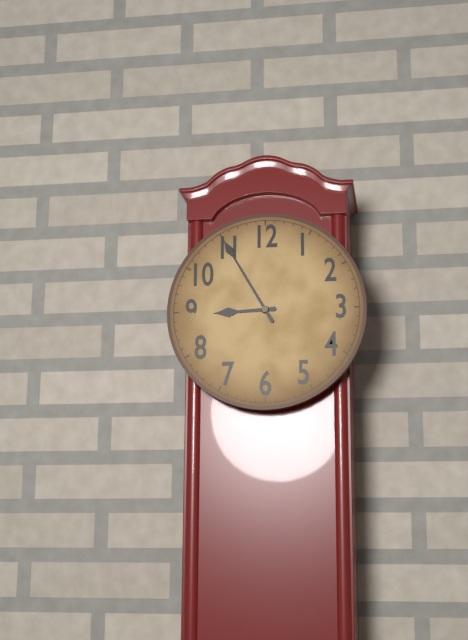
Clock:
8 h 55 min
